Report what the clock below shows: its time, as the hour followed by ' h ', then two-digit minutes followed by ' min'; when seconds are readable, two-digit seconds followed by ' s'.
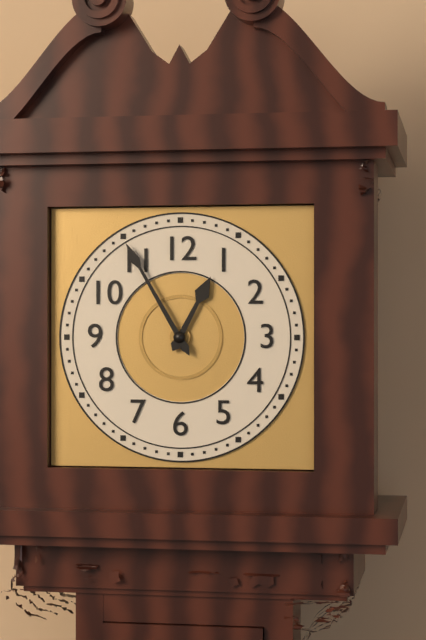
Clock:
12 h 55 min
